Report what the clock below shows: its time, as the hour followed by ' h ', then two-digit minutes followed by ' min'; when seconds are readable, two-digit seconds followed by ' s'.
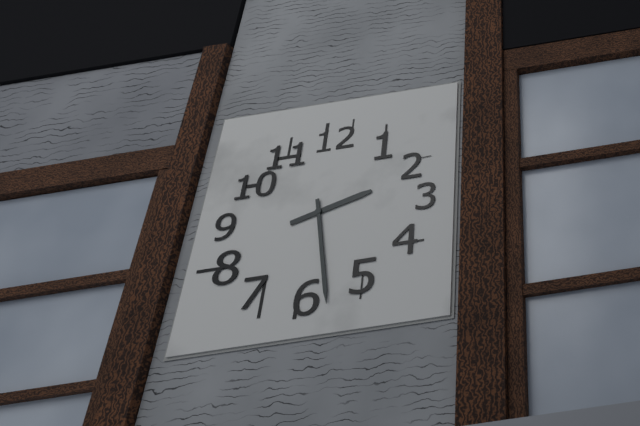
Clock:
2 h 28 min
